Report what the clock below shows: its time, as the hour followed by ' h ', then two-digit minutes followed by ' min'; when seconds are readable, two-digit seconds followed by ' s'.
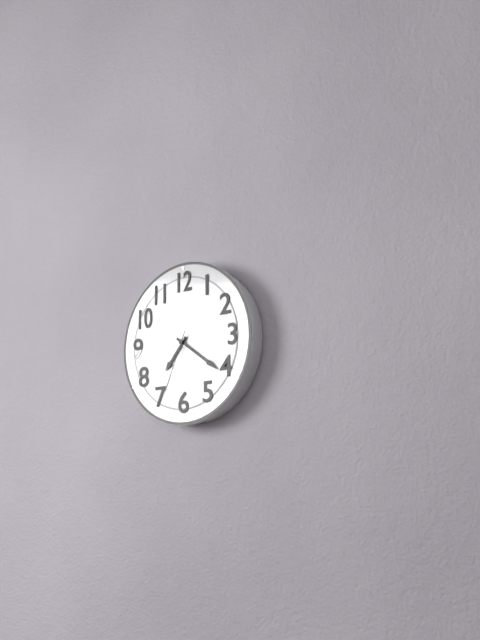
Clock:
7 h 21 min 34 s
